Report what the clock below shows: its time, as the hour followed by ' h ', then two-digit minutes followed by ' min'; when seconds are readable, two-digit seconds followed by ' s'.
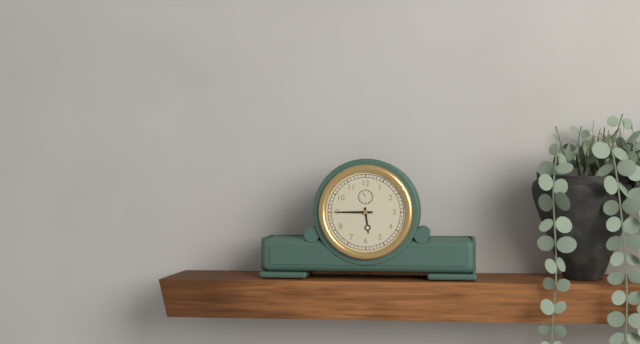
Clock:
5 h 45 min
